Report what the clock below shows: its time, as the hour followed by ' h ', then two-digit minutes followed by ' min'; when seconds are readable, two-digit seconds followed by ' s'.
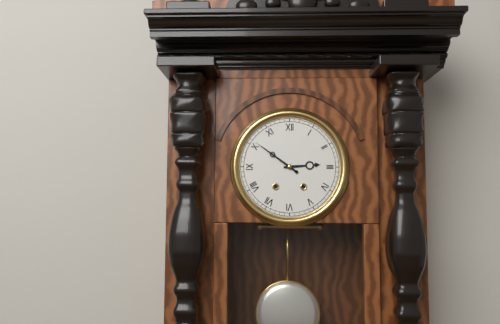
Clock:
2 h 51 min
